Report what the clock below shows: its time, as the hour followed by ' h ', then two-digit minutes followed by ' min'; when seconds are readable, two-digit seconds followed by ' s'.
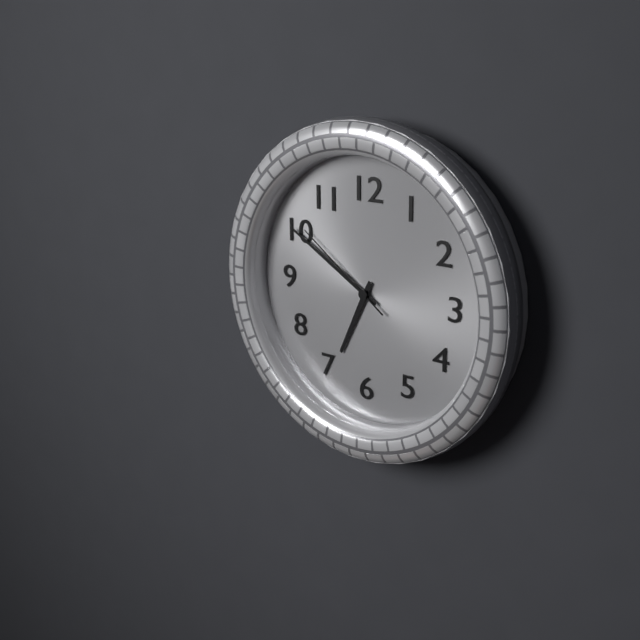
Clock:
6 h 50 min 51 s
